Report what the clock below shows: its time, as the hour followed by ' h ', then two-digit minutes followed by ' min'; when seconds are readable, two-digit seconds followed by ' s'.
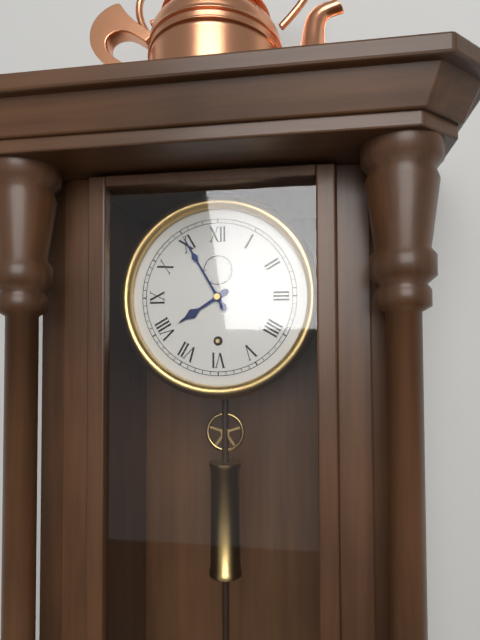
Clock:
7 h 55 min
